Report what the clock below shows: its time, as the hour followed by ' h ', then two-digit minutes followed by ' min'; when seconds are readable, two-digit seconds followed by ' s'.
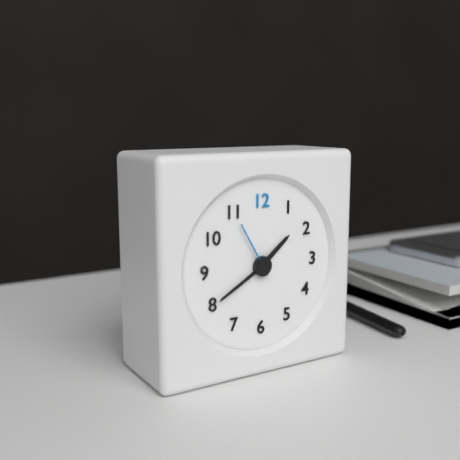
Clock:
1 h 40 min
